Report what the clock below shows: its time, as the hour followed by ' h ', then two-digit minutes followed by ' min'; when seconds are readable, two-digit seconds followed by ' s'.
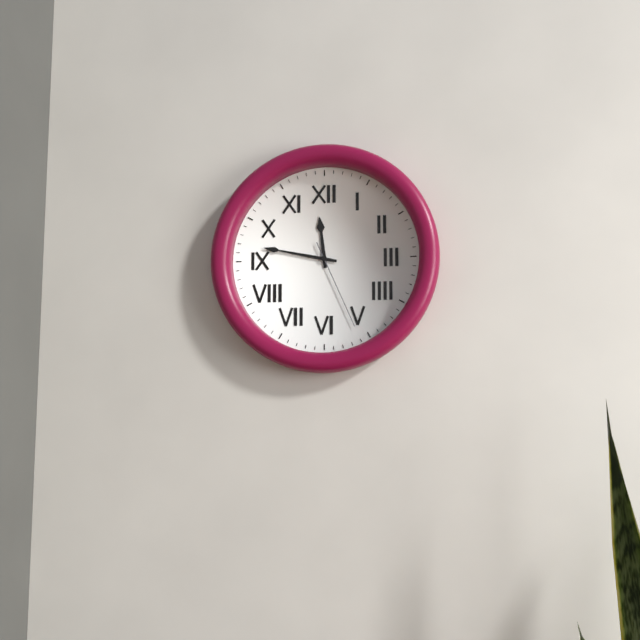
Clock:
11 h 47 min 26 s
